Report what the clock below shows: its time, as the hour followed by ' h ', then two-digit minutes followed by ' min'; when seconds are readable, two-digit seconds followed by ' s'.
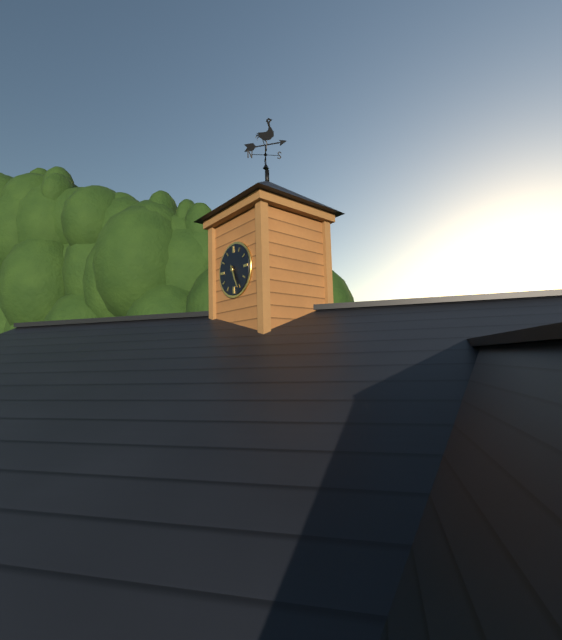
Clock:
5 h 26 min
